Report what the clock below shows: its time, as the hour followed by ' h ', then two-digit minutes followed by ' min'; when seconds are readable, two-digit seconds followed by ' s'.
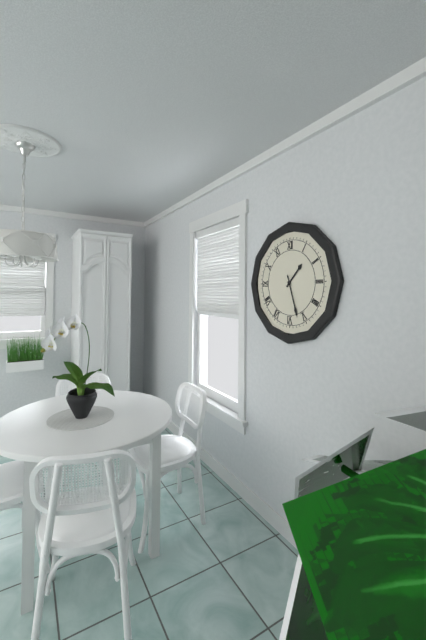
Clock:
1 h 27 min
